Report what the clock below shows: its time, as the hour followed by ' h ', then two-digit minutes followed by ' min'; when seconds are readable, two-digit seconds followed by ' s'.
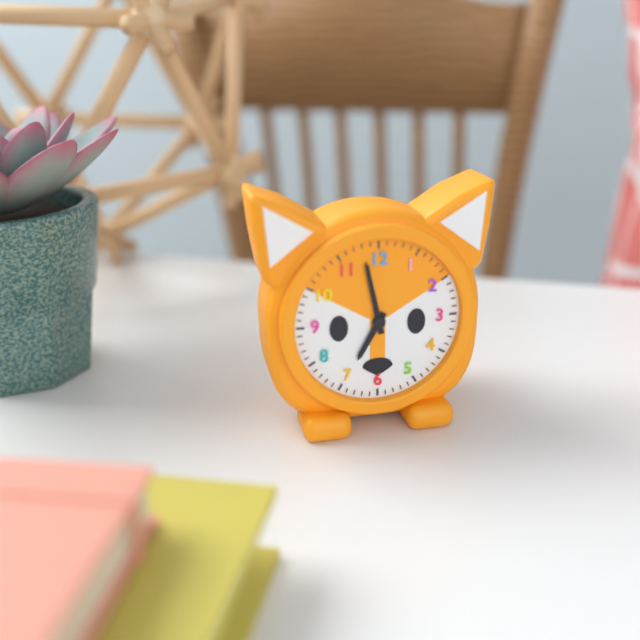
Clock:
6 h 58 min
